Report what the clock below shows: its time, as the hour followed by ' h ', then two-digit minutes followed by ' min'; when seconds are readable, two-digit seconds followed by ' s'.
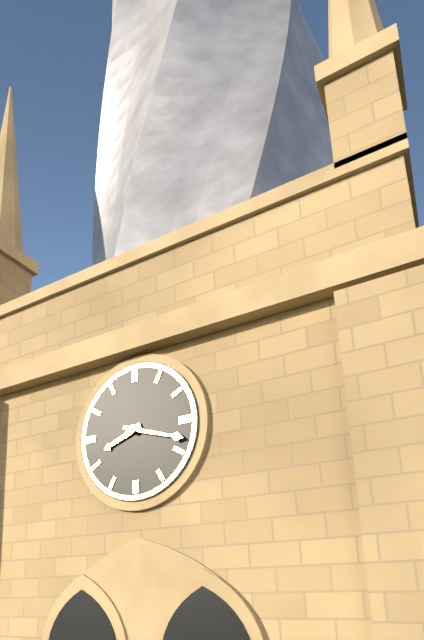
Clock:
8 h 18 min
